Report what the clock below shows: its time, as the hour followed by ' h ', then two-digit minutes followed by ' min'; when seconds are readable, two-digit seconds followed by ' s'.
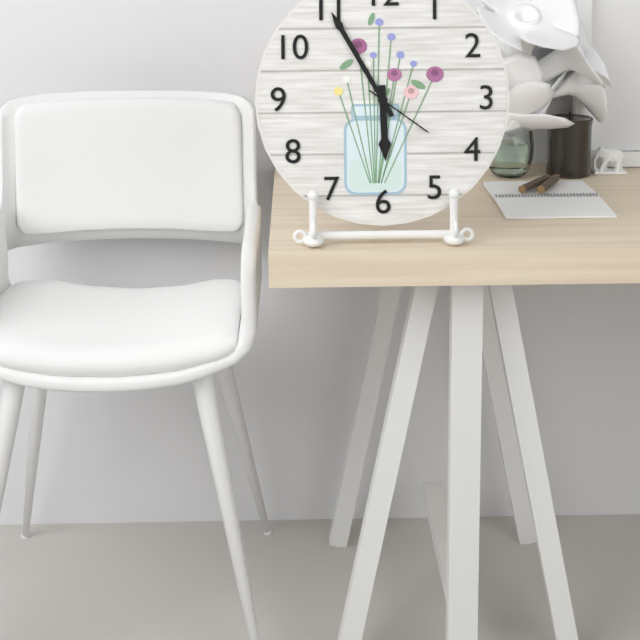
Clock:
5 h 55 min 21 s
